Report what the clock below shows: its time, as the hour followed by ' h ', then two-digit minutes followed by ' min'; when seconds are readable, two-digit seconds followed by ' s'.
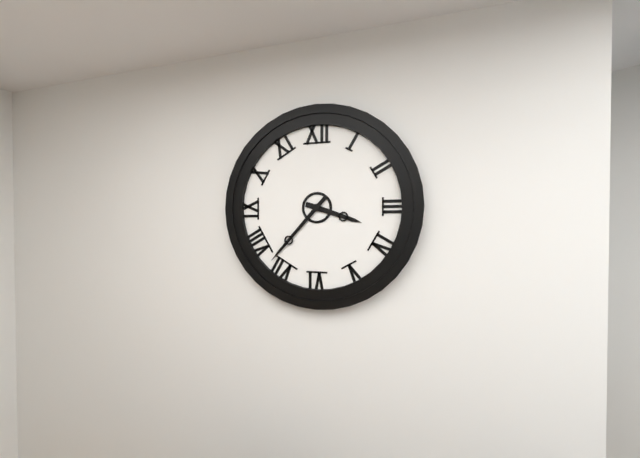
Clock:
3 h 37 min
